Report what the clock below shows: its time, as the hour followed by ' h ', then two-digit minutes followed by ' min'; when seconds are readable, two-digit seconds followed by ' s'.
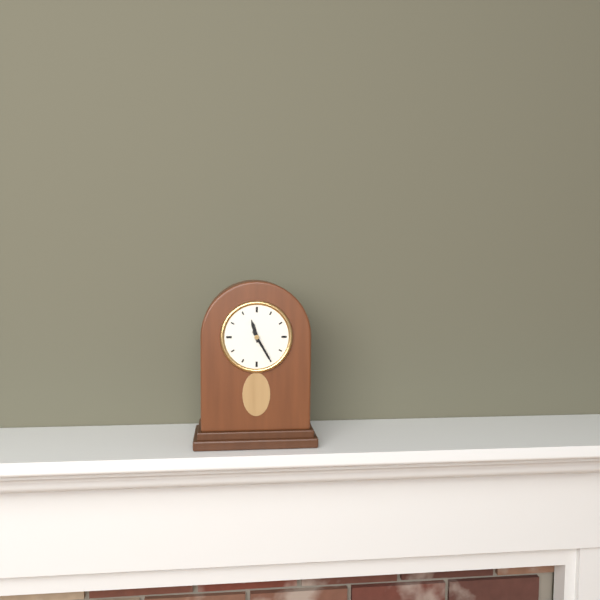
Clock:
11 h 25 min
